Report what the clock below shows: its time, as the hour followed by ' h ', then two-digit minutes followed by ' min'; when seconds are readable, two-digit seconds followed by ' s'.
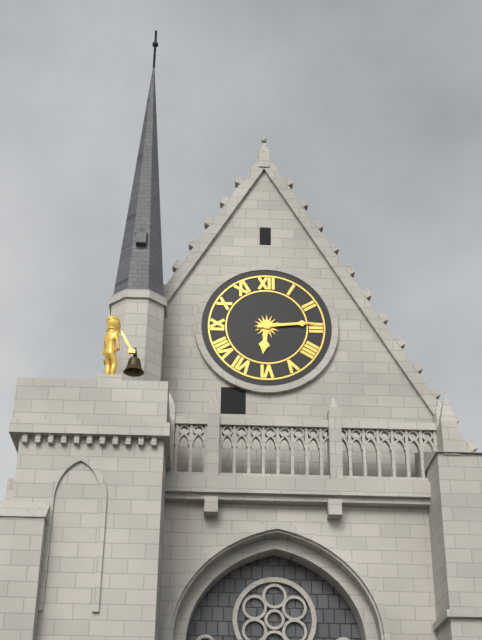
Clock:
6 h 14 min
